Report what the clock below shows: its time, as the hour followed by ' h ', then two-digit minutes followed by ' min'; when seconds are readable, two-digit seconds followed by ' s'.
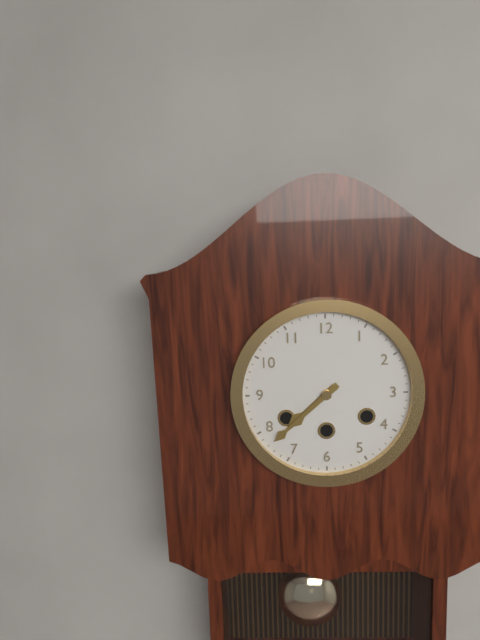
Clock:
7 h 38 min
